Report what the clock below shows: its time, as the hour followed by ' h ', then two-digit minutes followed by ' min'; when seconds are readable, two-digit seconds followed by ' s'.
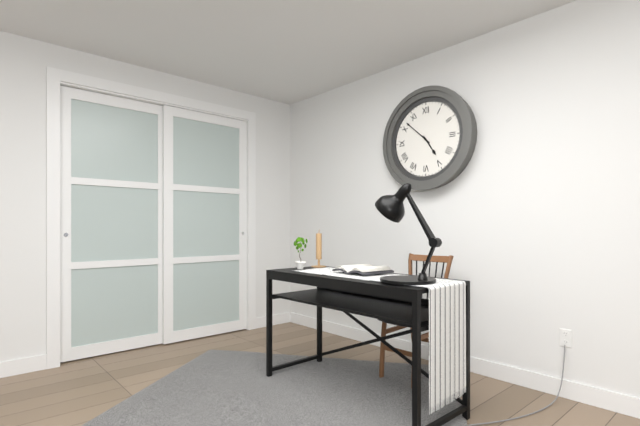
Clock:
4 h 52 min
